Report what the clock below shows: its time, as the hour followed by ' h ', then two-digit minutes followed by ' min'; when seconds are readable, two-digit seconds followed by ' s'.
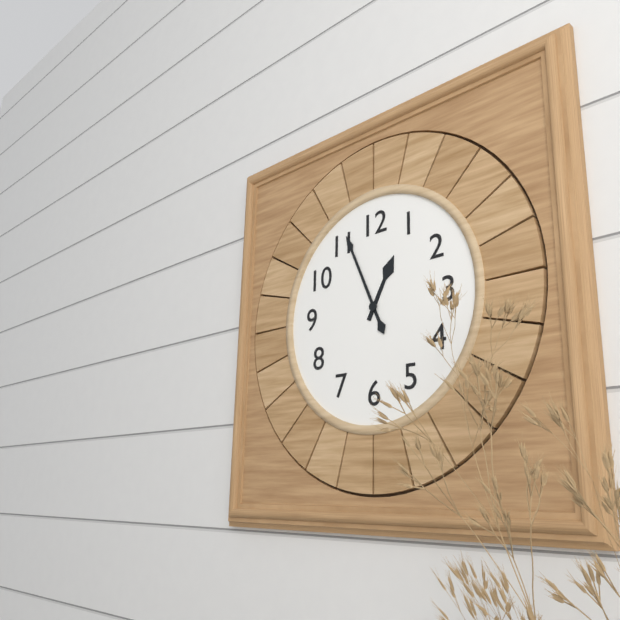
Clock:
12 h 56 min
